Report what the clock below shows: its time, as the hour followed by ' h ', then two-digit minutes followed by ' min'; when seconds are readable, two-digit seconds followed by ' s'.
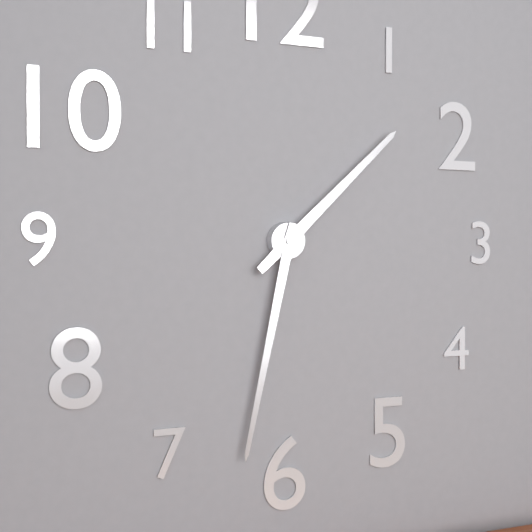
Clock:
1 h 32 min
